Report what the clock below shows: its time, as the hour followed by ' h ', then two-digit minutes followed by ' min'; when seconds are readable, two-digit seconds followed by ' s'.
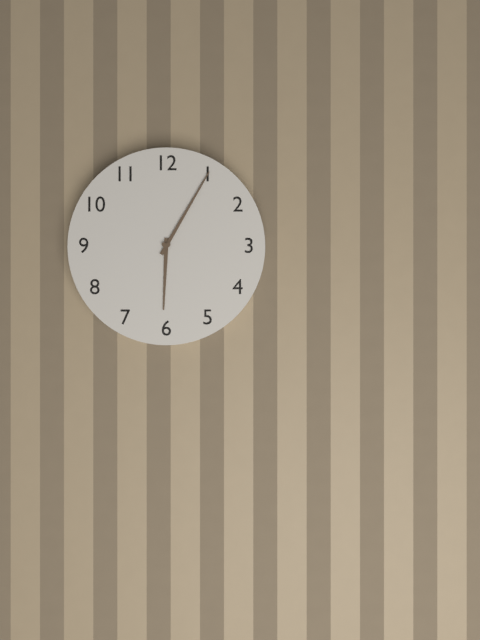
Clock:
6 h 05 min
